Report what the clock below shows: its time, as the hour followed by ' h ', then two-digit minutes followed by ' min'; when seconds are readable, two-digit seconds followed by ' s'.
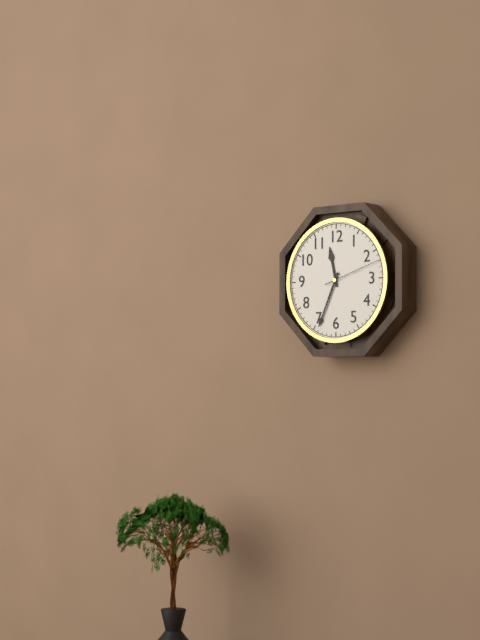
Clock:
11 h 34 min 12 s
